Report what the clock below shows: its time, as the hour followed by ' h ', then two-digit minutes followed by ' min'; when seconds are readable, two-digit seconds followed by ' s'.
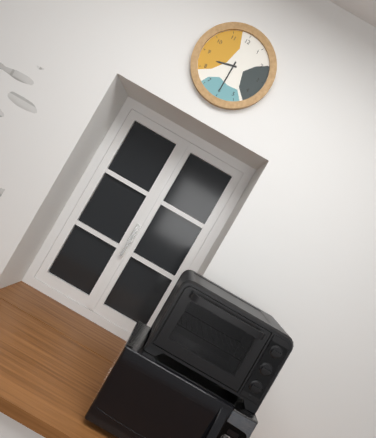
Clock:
8 h 30 min
